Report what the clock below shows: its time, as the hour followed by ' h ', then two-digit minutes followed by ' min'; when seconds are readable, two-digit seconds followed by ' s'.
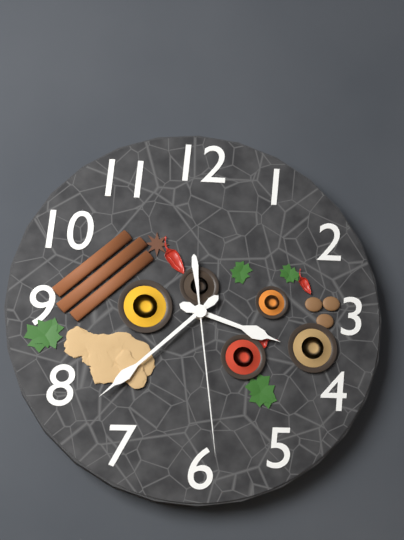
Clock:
3 h 38 min 29 s
